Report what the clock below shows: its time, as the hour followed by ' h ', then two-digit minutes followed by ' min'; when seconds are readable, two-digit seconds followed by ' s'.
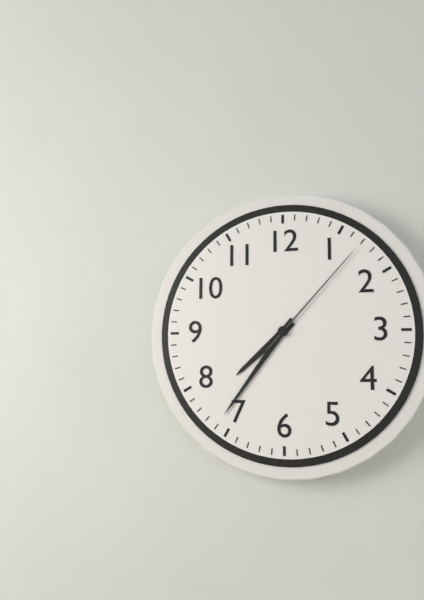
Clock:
7 h 36 min 07 s
